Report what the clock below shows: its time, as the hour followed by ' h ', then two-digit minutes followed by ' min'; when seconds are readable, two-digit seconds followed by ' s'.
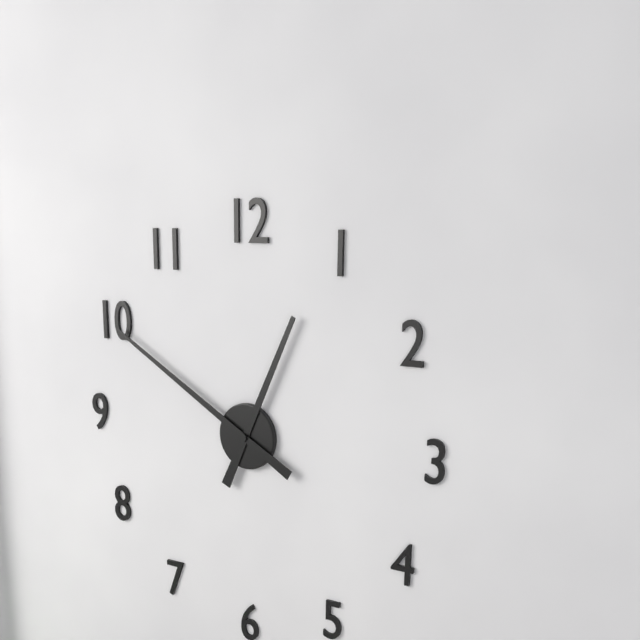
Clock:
12 h 50 min
